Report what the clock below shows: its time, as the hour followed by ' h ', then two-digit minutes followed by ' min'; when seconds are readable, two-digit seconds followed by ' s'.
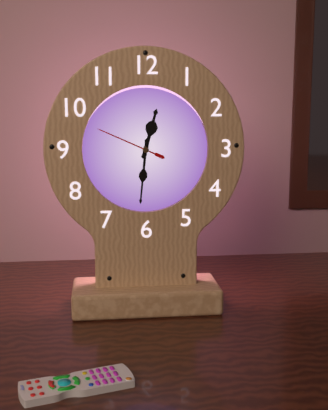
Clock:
12 h 31 min 49 s
